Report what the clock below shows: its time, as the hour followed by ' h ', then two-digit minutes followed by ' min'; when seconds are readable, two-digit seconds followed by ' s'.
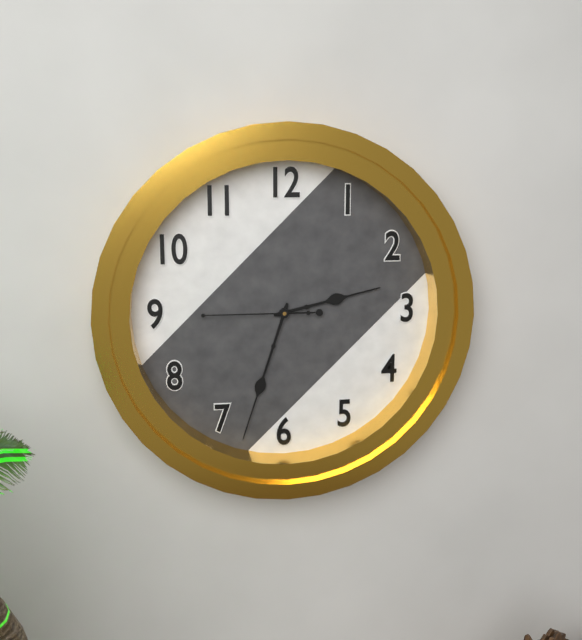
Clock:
2 h 33 min 45 s
